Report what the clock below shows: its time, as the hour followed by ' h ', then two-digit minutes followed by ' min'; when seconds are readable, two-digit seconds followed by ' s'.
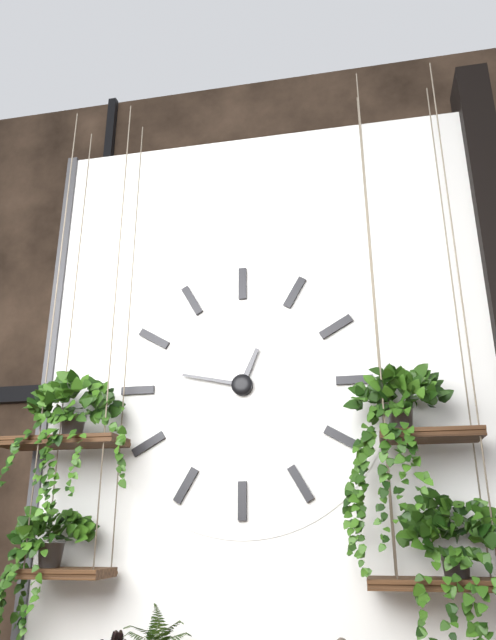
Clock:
12 h 47 min
